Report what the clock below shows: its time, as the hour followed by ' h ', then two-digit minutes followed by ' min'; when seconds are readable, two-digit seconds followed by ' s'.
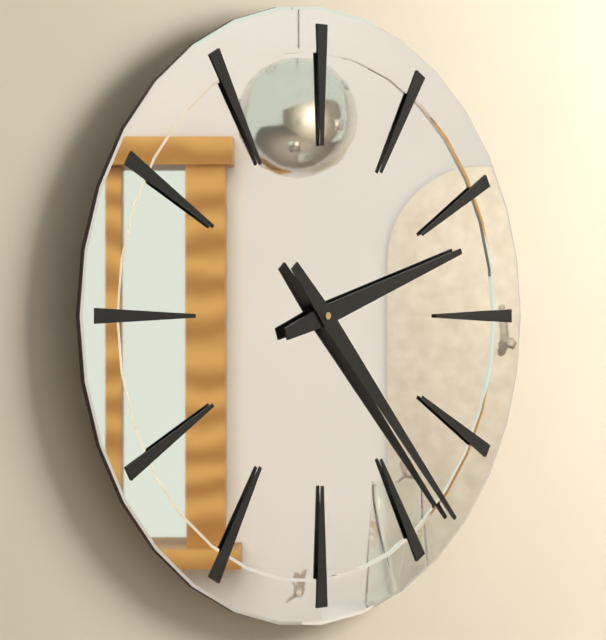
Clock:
2 h 23 min
